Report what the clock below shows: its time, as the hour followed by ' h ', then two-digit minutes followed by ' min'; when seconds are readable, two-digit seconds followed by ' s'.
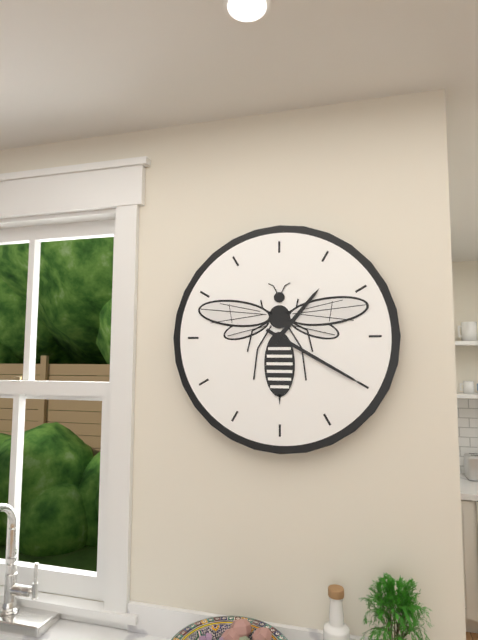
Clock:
1 h 20 min
